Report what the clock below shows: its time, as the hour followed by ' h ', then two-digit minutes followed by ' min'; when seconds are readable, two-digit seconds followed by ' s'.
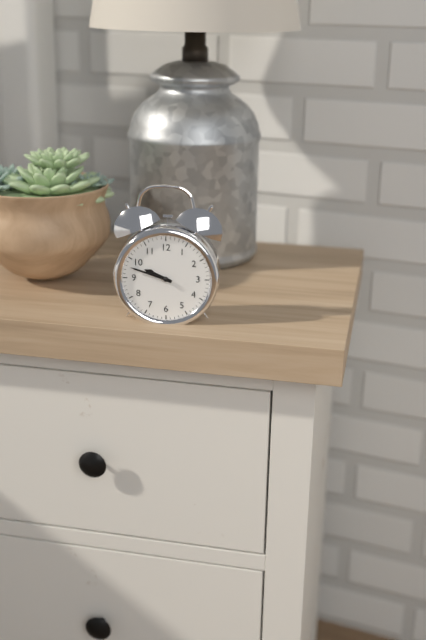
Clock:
9 h 48 min
